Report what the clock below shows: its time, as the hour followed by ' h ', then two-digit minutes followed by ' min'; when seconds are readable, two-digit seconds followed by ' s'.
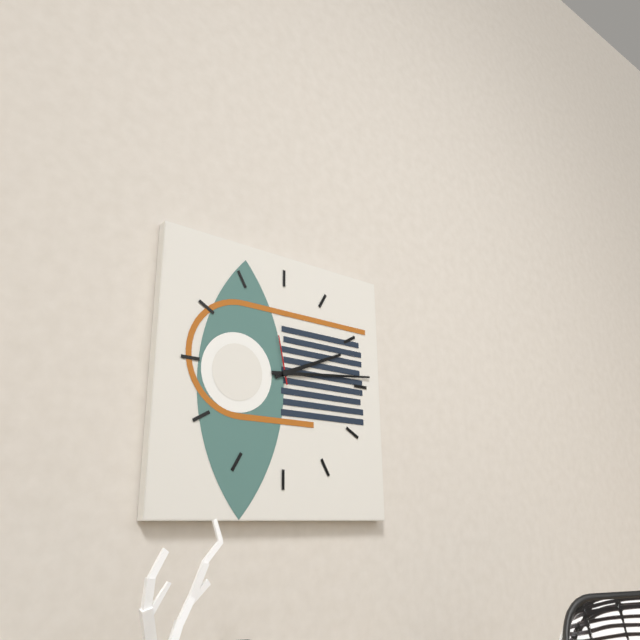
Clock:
2 h 14 min
